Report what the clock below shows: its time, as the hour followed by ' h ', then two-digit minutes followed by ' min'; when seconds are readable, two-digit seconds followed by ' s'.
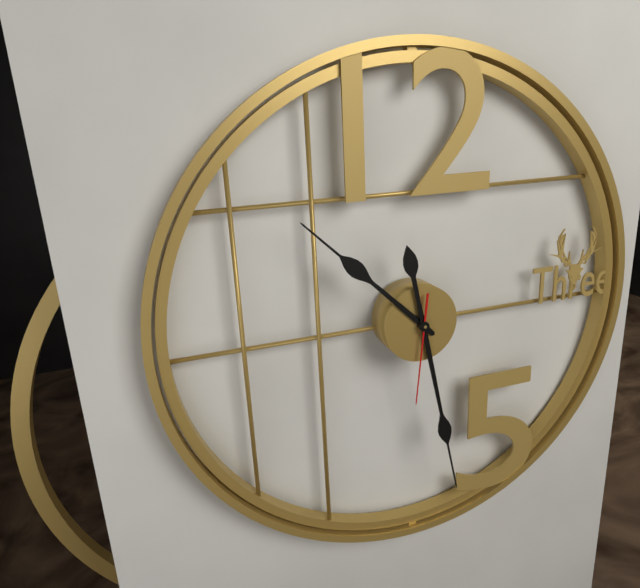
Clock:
10 h 28 min 31 s
